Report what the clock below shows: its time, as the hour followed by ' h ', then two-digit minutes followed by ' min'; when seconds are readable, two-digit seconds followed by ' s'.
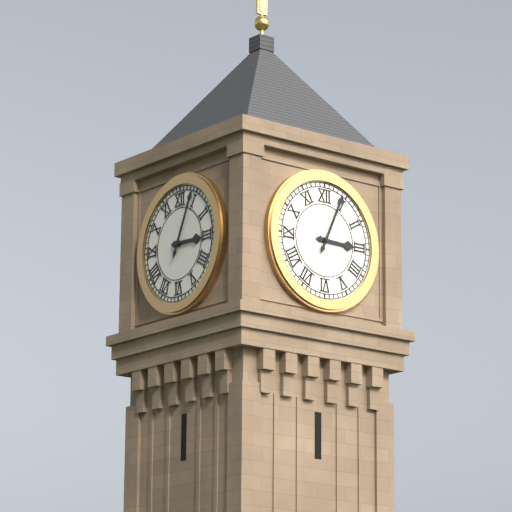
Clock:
3 h 04 min
